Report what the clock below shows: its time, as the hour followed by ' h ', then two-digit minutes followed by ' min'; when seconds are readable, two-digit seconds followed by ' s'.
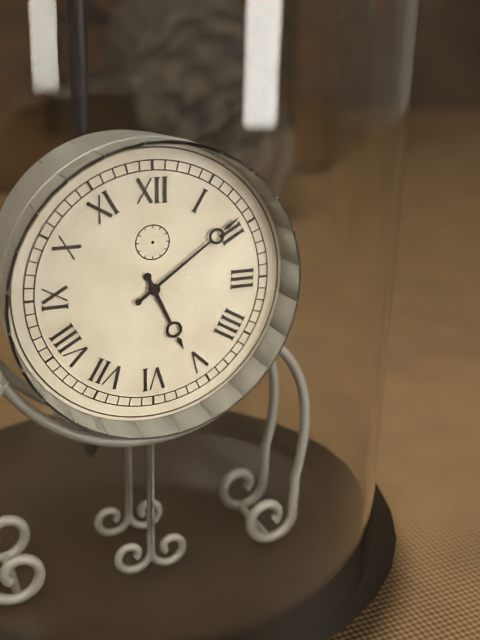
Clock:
5 h 09 min
